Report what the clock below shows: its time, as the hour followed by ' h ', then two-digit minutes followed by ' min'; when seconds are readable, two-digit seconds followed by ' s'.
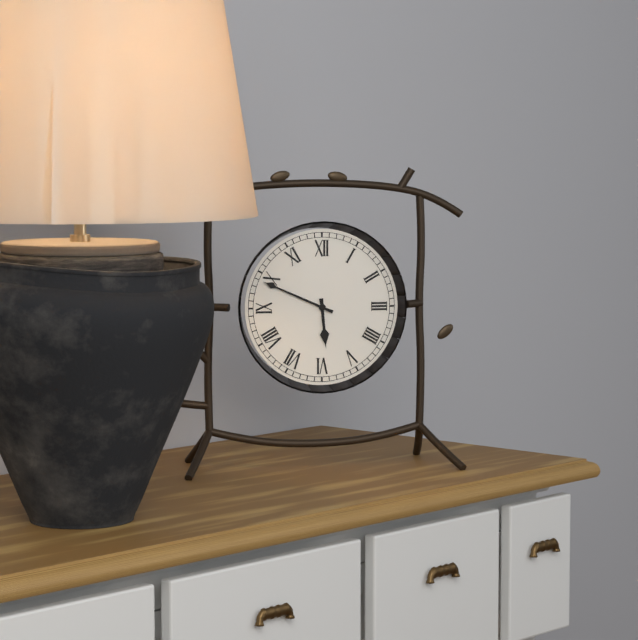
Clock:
5 h 49 min
